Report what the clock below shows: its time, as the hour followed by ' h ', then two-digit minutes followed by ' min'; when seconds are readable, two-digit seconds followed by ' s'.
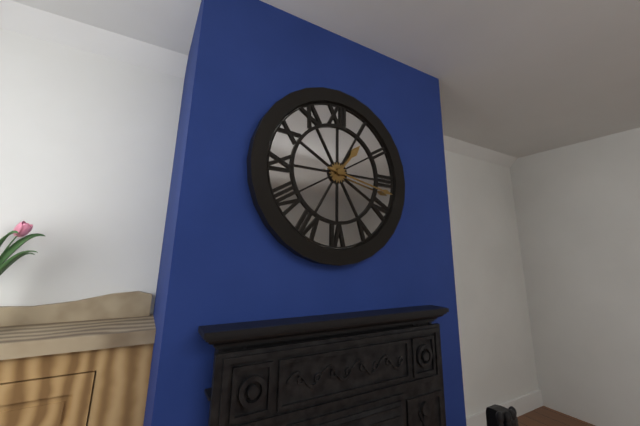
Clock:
1 h 17 min
